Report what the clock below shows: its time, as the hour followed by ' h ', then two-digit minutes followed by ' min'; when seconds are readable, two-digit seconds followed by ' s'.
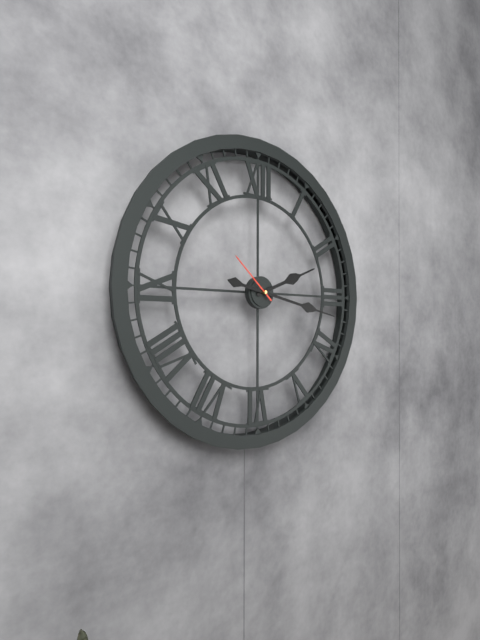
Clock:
2 h 17 min 52 s
